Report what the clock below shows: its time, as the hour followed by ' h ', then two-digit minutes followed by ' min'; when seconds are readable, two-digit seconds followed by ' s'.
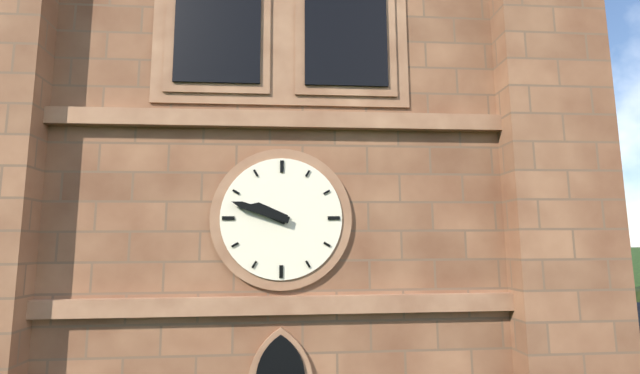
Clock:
9 h 48 min
